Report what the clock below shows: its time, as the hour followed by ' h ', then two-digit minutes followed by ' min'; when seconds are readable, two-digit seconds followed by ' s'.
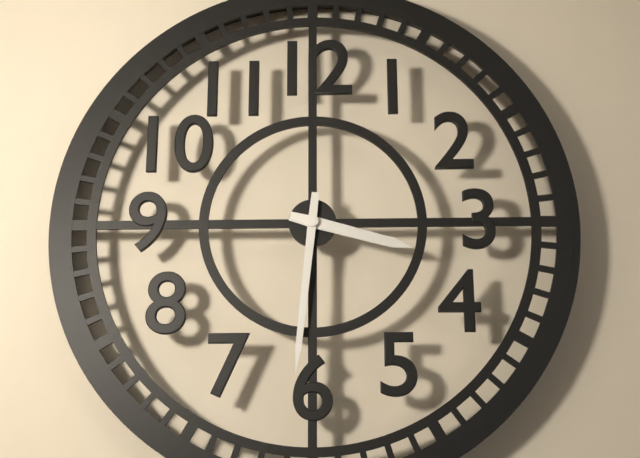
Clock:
3 h 31 min
